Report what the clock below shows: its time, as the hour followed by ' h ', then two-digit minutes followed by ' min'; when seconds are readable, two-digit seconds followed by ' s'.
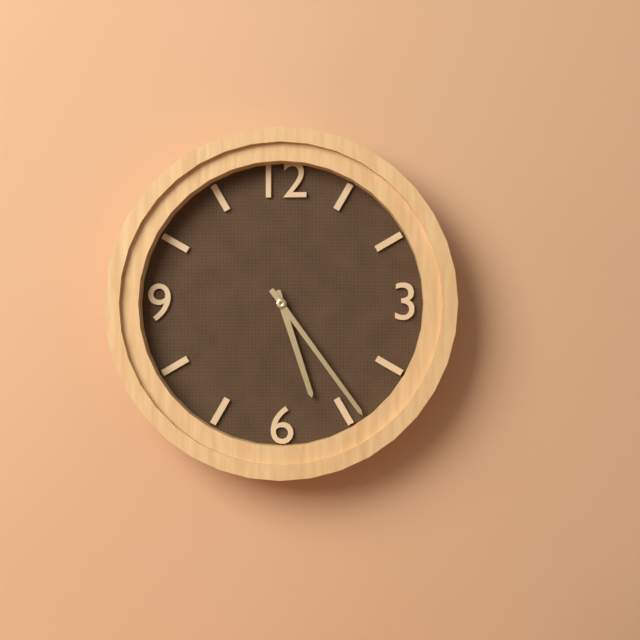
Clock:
5 h 24 min
